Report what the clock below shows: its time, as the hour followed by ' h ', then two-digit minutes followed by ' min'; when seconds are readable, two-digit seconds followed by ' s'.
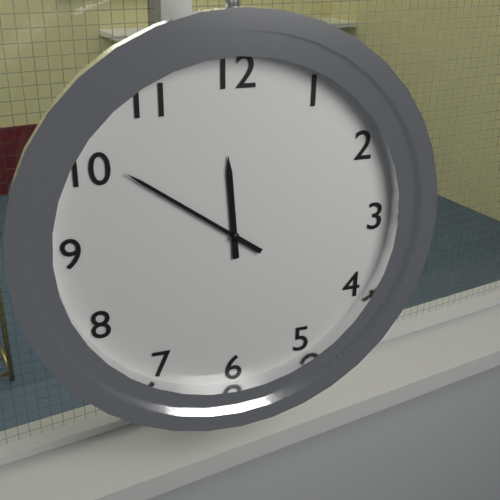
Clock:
11 h 51 min
